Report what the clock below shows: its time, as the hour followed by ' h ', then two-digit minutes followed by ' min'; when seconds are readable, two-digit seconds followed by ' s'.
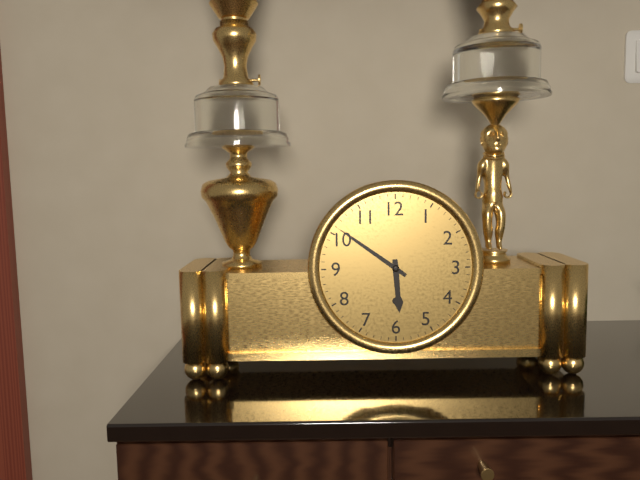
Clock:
5 h 51 min
